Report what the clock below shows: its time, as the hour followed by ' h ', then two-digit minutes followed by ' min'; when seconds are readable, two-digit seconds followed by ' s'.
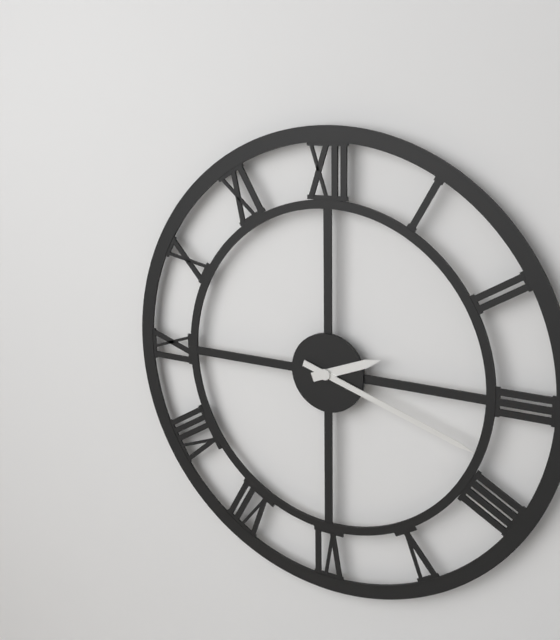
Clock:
2 h 18 min
